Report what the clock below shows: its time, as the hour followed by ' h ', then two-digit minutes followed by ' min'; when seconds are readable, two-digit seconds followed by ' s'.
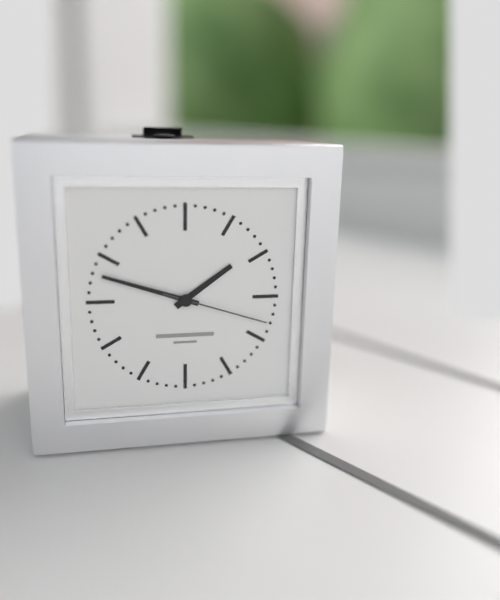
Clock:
1 h 48 min 18 s
